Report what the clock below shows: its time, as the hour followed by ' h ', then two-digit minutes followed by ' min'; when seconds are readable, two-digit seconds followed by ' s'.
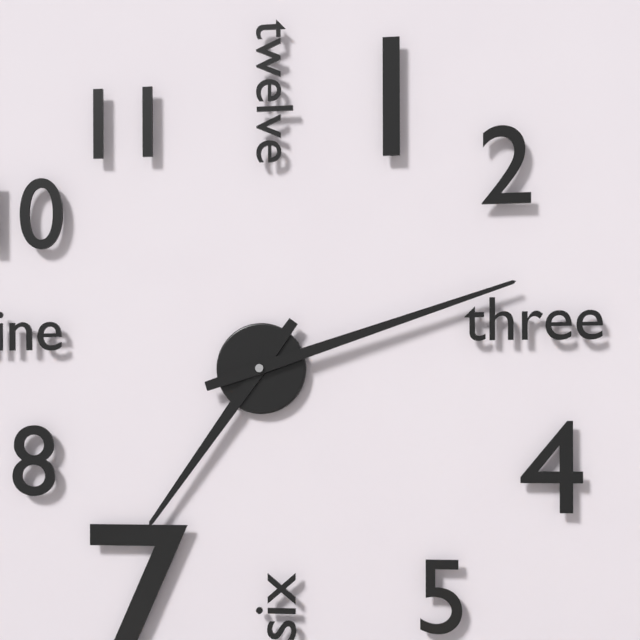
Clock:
7 h 12 min
